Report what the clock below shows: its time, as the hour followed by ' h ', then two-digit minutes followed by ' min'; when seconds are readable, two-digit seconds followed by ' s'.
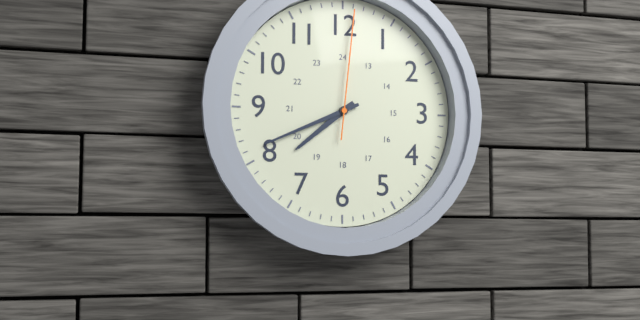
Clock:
7 h 41 min 01 s
